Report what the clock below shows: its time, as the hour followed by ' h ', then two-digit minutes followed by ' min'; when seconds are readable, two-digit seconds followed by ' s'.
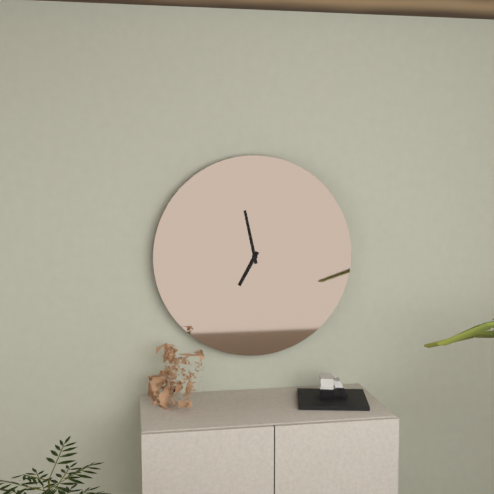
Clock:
6 h 58 min
